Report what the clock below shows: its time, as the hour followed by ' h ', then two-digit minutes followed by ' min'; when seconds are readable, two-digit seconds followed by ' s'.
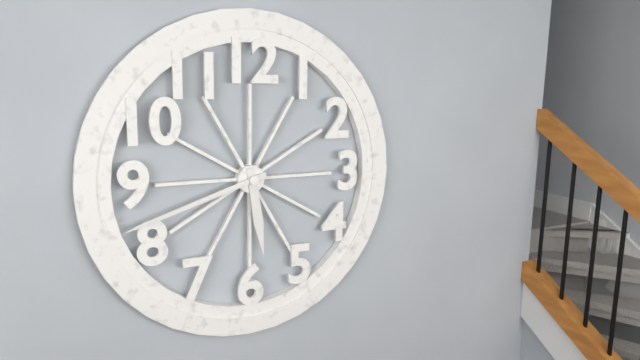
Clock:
5 h 42 min
